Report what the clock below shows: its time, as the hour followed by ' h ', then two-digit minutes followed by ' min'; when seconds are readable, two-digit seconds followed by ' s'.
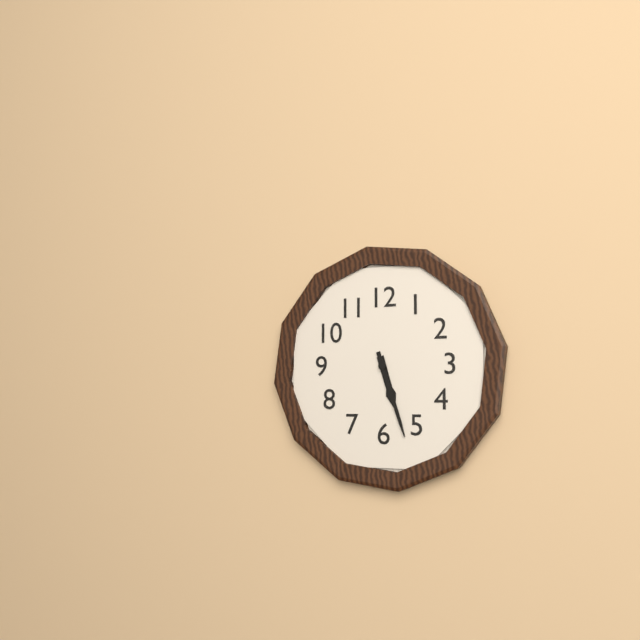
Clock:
5 h 27 min
